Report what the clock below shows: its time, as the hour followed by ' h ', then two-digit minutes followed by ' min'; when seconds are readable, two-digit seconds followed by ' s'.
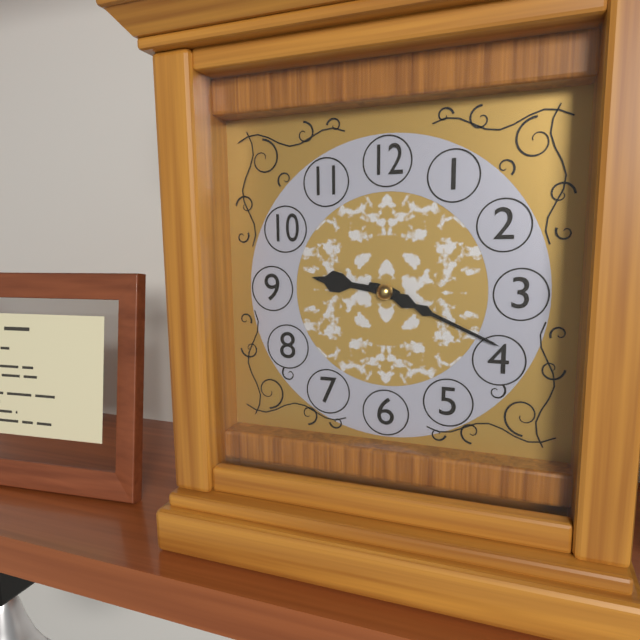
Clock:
9 h 19 min
